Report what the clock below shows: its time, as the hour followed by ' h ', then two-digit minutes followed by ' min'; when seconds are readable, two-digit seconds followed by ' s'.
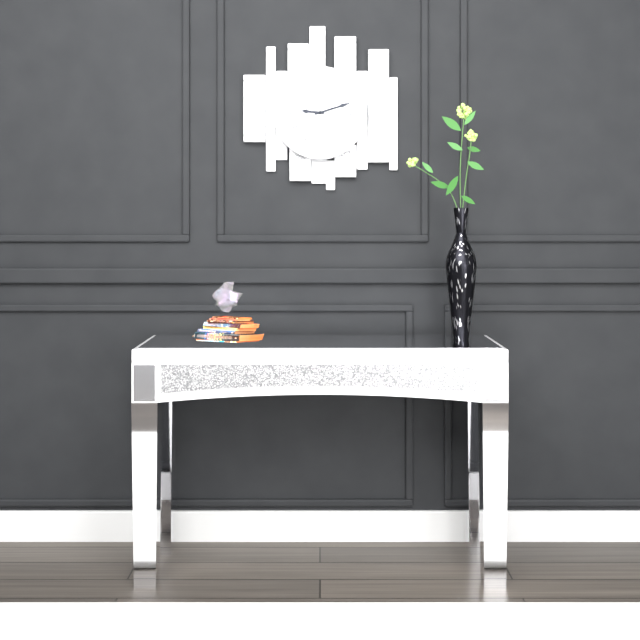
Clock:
9 h 12 min
